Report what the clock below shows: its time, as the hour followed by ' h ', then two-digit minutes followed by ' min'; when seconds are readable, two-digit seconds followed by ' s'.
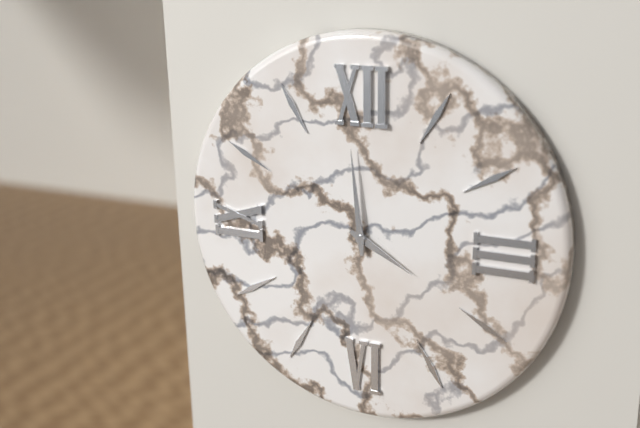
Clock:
3 h 59 min
